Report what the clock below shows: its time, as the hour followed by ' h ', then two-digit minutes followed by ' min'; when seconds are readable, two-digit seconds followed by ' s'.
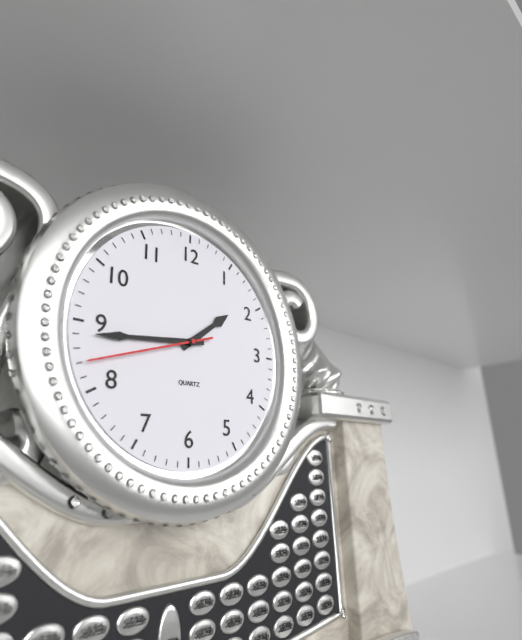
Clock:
1 h 44 min 42 s
